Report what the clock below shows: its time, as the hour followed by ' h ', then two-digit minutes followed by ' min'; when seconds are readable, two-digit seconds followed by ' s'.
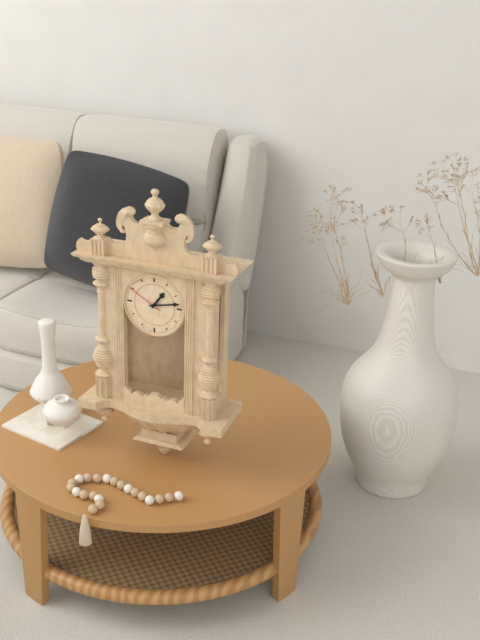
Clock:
1 h 13 min
